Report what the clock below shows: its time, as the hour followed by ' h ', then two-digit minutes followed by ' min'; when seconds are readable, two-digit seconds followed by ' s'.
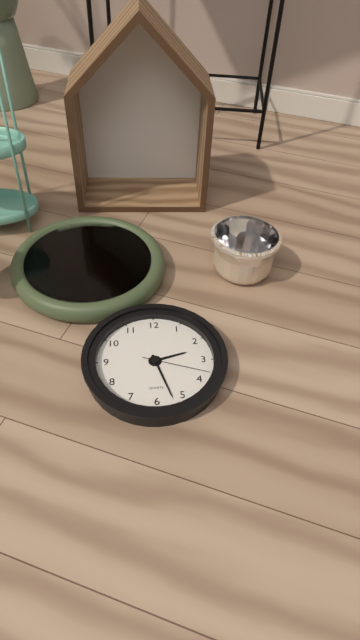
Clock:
2 h 27 min 18 s
